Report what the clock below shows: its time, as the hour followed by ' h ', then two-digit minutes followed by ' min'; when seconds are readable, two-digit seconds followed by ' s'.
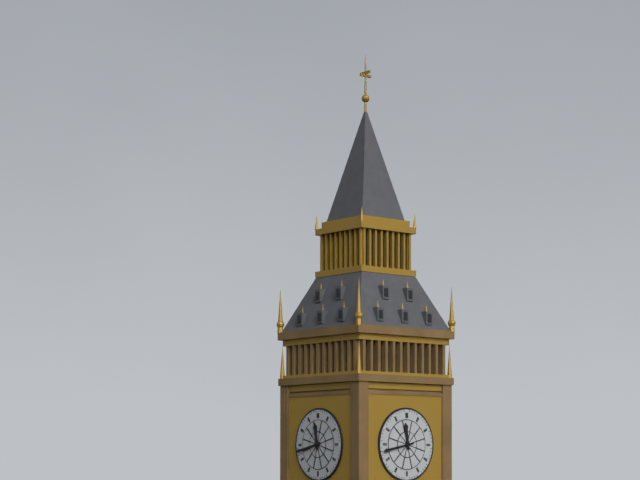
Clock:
11 h 43 min
